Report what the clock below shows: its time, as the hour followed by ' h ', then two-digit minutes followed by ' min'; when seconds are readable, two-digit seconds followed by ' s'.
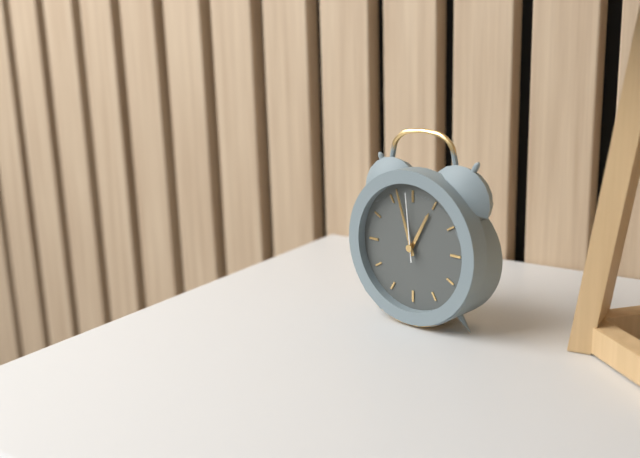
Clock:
12 h 57 min 59 s
